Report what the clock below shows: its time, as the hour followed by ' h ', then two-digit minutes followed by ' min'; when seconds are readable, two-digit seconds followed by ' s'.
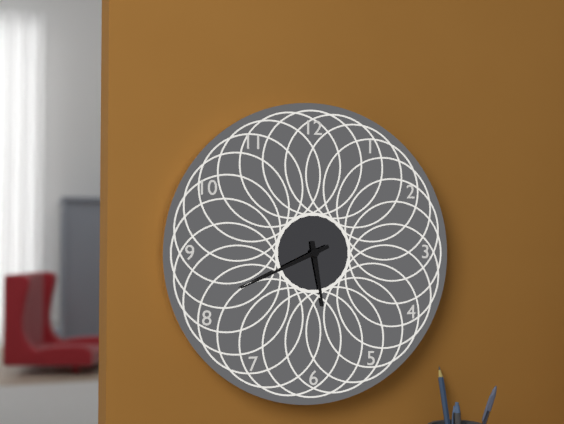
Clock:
5 h 41 min
